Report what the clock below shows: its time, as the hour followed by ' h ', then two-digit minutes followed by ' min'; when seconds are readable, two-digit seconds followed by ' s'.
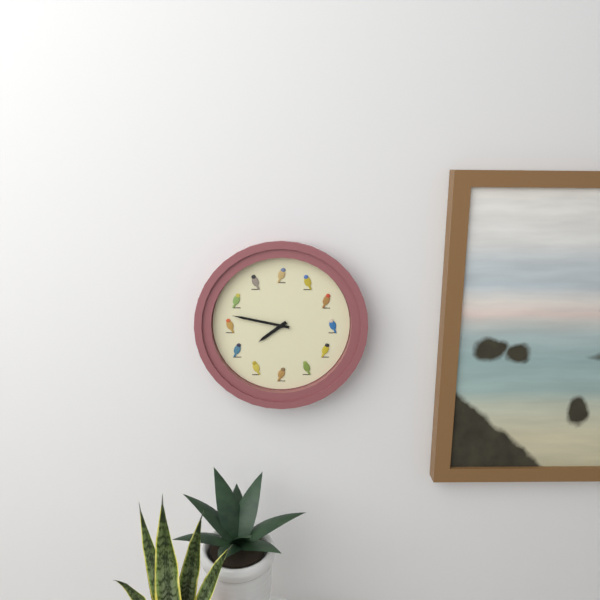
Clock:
7 h 47 min
